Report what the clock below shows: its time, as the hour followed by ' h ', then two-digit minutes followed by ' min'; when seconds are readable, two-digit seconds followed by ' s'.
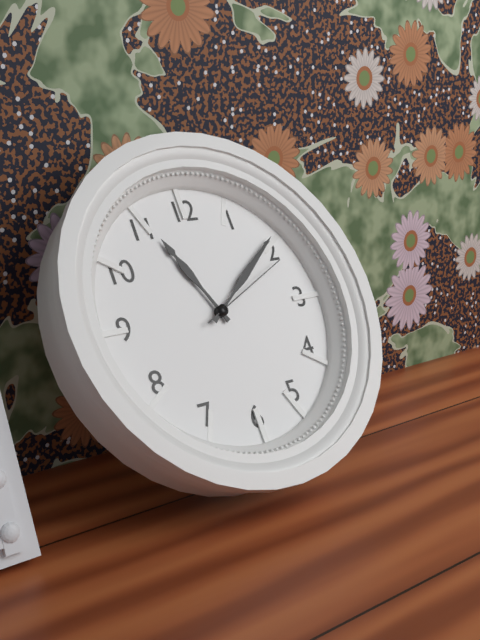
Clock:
11 h 09 min 11 s
